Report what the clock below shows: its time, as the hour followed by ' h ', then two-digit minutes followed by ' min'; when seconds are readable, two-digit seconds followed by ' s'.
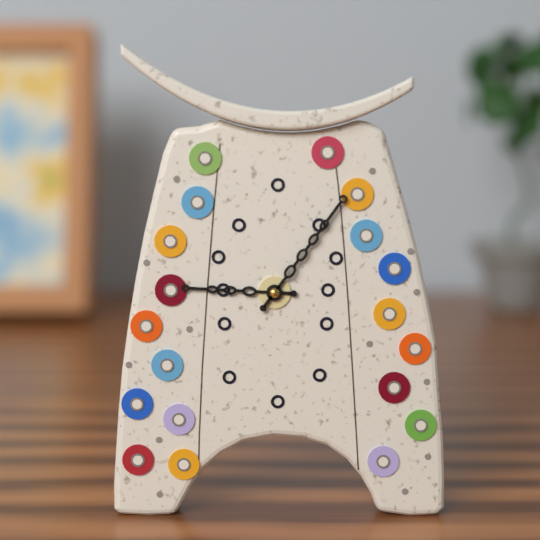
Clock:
9 h 06 min
